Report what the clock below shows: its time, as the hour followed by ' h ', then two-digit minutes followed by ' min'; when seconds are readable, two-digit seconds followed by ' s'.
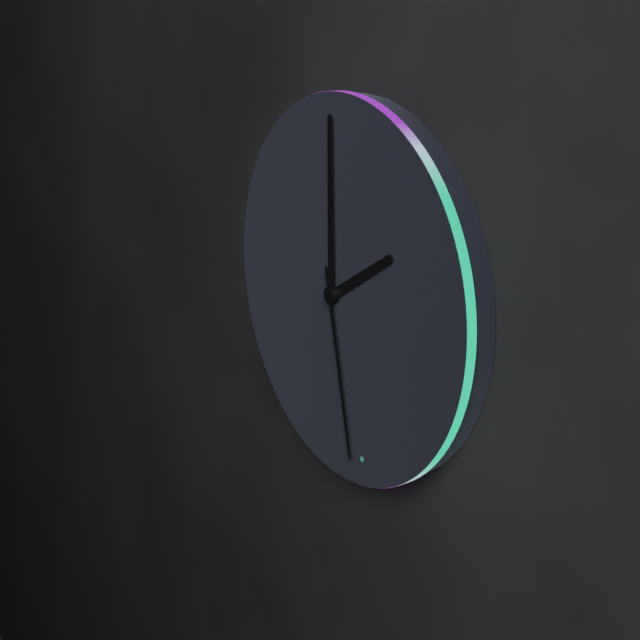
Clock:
2 h 00 min 28 s
